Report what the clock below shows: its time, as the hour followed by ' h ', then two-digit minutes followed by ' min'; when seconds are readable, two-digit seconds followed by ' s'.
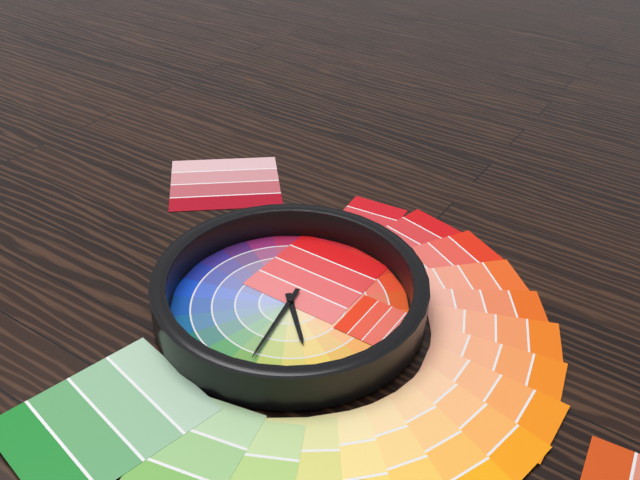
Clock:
4 h 28 min
